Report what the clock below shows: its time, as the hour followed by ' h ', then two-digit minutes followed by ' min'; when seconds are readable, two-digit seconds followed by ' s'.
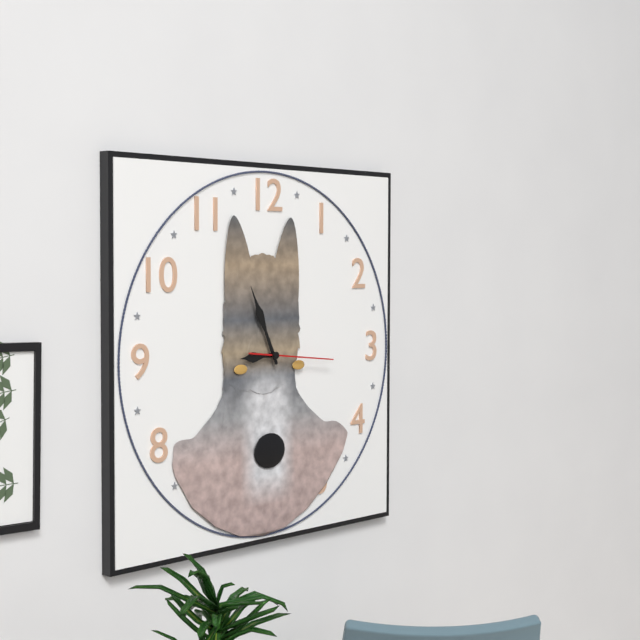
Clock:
8 h 56 min 16 s
